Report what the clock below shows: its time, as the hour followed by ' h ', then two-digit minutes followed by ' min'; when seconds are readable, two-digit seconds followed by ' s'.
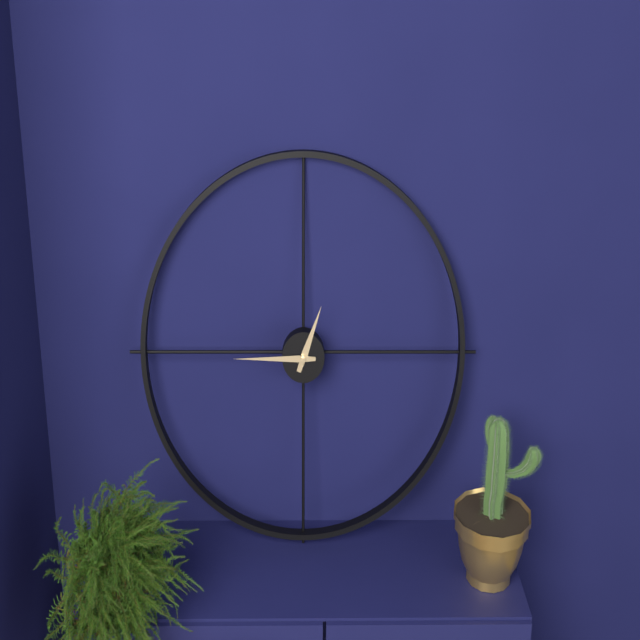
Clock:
12 h 45 min
